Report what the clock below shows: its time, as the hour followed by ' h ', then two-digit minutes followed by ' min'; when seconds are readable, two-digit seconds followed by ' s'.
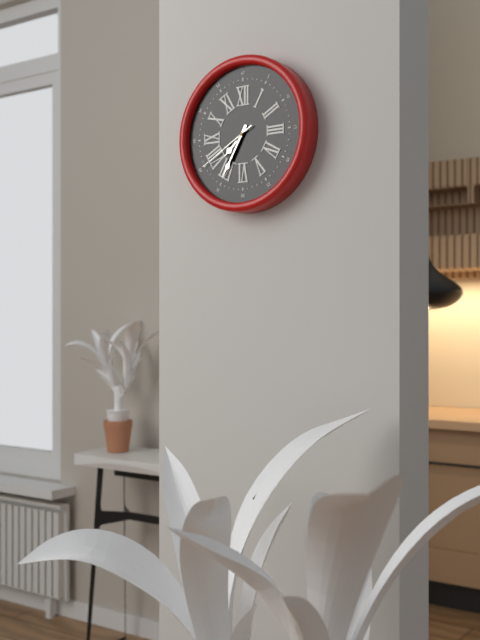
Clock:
7 h 35 min 40 s
